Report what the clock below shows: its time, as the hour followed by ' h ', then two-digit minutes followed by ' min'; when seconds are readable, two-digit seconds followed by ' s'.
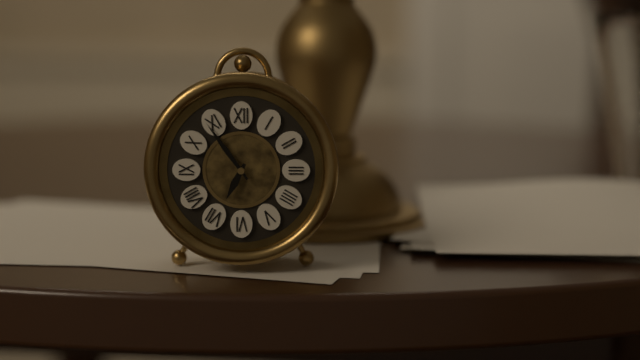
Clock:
6 h 54 min
